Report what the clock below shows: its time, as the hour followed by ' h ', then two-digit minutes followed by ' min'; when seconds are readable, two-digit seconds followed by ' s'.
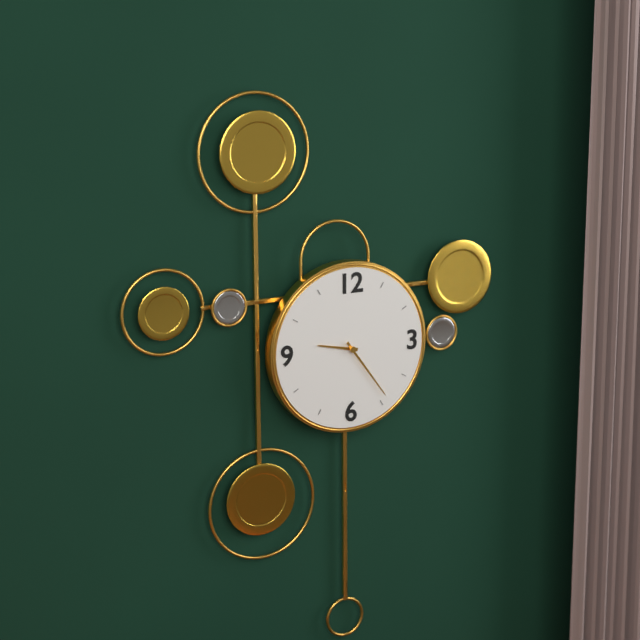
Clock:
9 h 24 min
